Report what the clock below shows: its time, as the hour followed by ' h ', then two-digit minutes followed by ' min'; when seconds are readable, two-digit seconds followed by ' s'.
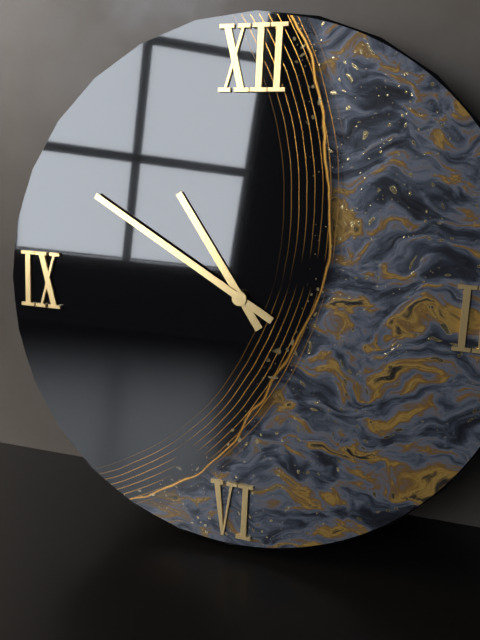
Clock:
10 h 50 min
